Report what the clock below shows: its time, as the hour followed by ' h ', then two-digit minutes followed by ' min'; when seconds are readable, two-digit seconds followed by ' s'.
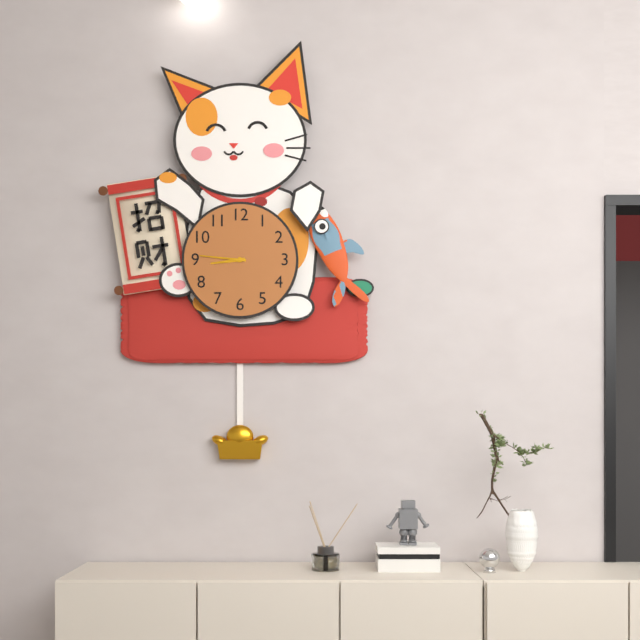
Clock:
8 h 46 min
